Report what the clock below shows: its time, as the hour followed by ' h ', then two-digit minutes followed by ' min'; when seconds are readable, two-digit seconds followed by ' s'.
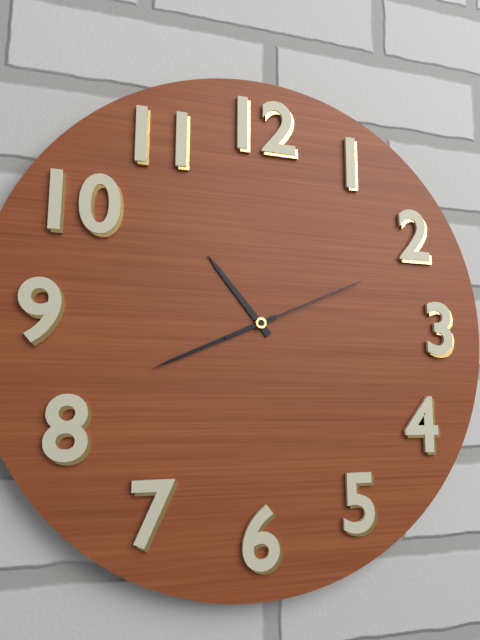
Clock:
10 h 41 min 11 s
